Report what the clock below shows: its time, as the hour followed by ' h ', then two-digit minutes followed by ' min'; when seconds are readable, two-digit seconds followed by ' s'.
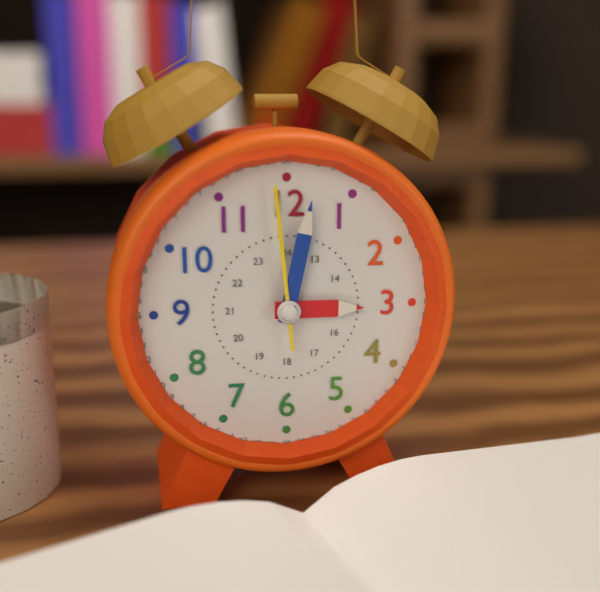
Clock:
3 h 02 min 59 s
